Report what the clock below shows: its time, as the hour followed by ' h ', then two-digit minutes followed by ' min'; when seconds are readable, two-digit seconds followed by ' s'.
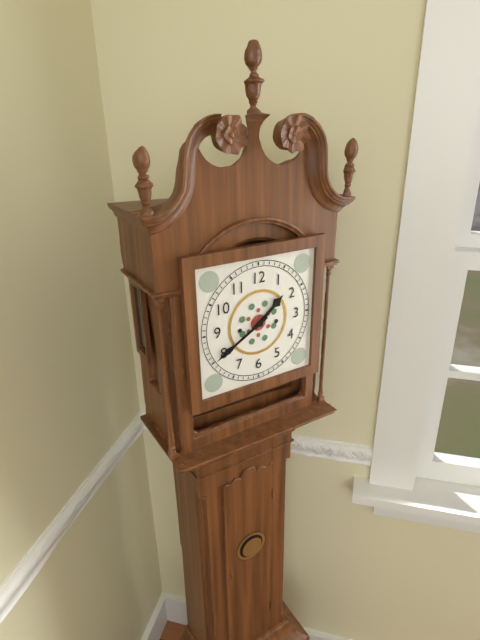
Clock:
1 h 40 min
